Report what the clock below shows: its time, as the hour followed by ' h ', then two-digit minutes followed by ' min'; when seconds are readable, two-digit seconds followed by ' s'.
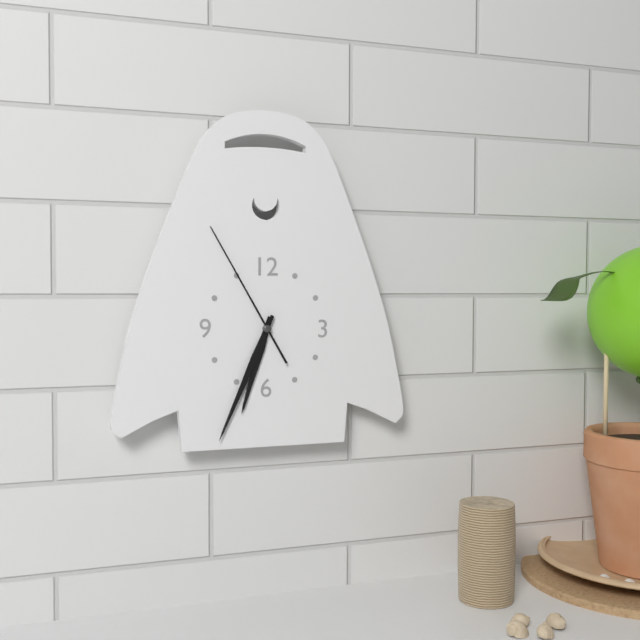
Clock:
6 h 34 min 55 s
